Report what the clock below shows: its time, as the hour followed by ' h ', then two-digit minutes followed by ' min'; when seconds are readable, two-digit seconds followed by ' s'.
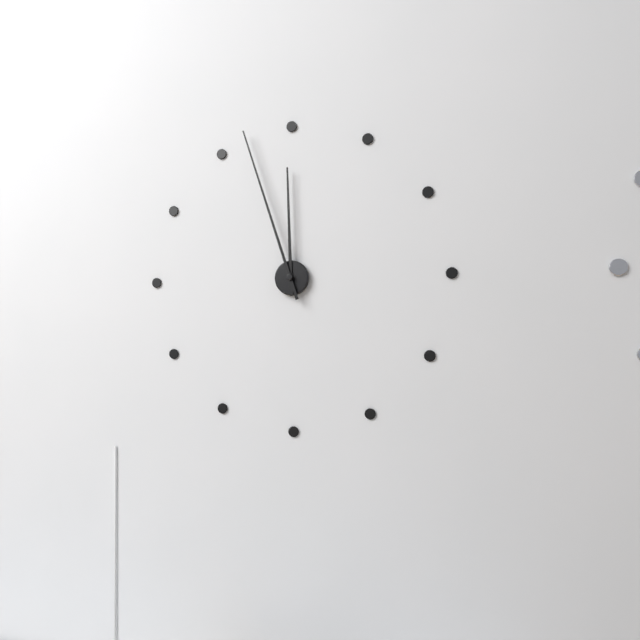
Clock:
11 h 57 min
